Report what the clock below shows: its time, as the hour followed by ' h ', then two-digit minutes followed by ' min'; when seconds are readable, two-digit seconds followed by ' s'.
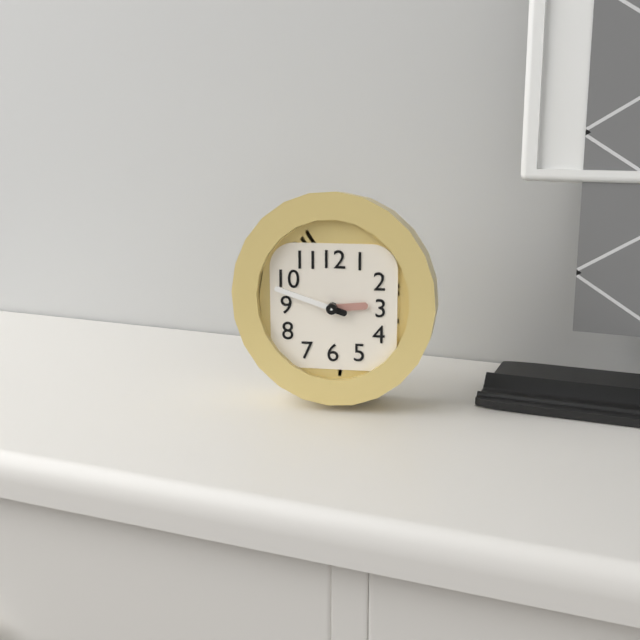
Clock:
2 h 48 min
